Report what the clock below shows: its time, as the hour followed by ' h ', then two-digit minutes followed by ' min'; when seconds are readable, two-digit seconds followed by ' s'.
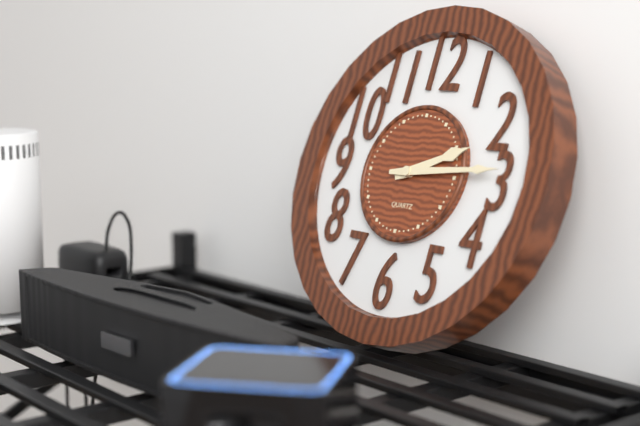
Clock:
2 h 14 min
